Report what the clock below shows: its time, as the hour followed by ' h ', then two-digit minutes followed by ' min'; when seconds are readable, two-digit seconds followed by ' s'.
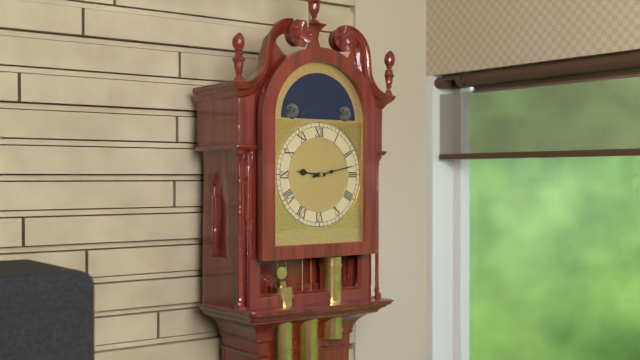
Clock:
9 h 13 min
